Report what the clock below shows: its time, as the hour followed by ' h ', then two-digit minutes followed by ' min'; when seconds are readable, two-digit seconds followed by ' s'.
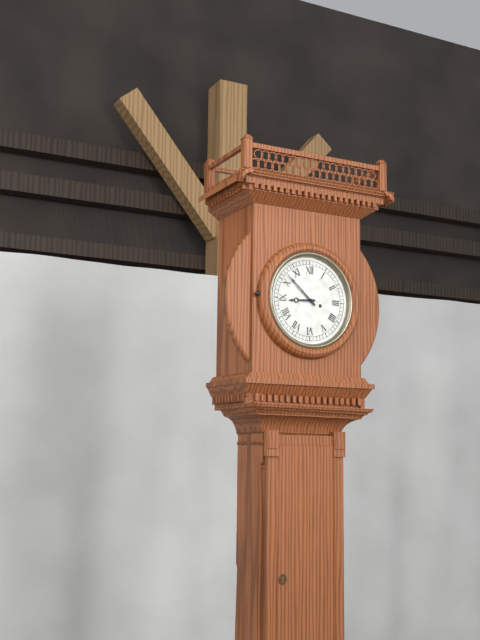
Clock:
8 h 52 min
